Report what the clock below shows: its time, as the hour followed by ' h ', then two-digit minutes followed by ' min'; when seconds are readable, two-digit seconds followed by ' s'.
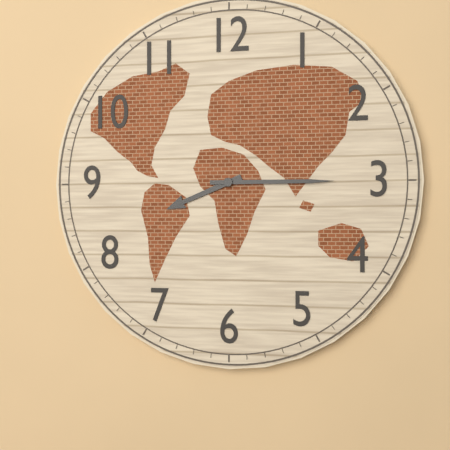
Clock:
8 h 15 min
